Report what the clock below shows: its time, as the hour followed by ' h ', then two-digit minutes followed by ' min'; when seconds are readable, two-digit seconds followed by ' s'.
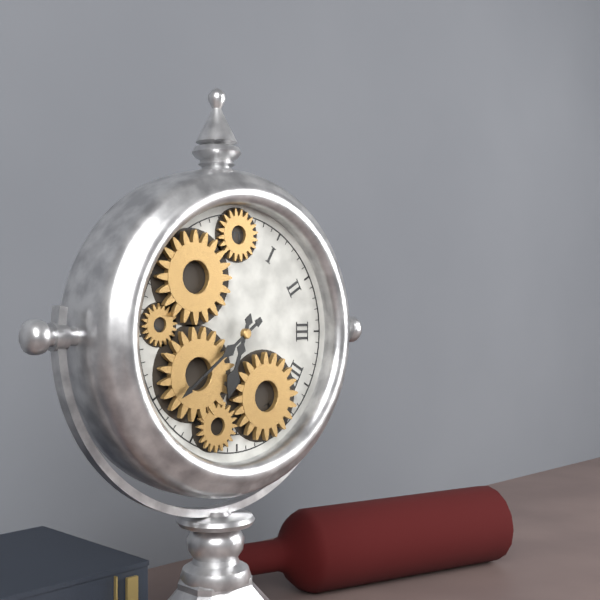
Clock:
6 h 39 min
